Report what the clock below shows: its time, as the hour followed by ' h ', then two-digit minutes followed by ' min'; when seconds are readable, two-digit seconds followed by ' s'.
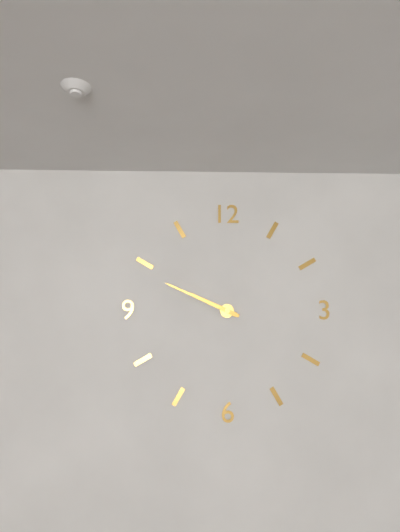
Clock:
9 h 49 min
